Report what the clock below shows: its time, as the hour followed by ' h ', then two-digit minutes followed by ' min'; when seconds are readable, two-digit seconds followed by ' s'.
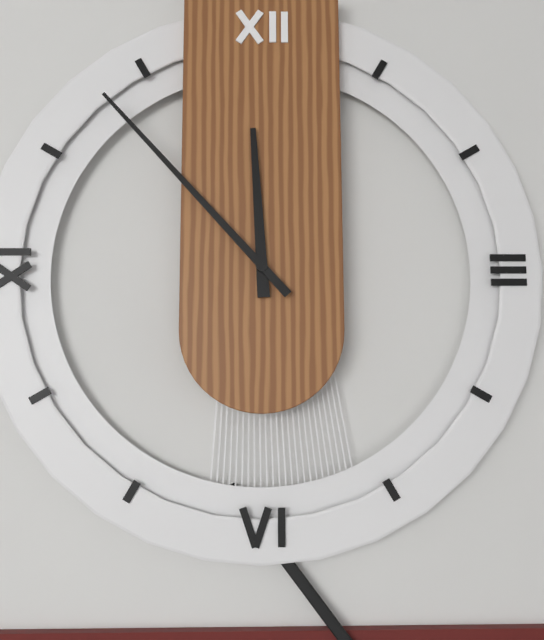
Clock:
11 h 53 min
